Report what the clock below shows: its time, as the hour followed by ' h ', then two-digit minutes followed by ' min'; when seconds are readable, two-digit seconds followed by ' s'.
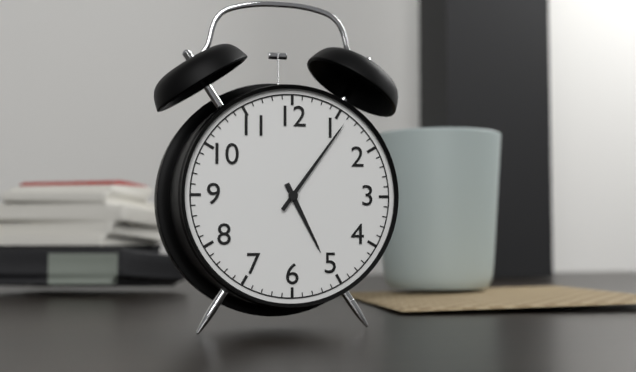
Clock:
5 h 06 min
